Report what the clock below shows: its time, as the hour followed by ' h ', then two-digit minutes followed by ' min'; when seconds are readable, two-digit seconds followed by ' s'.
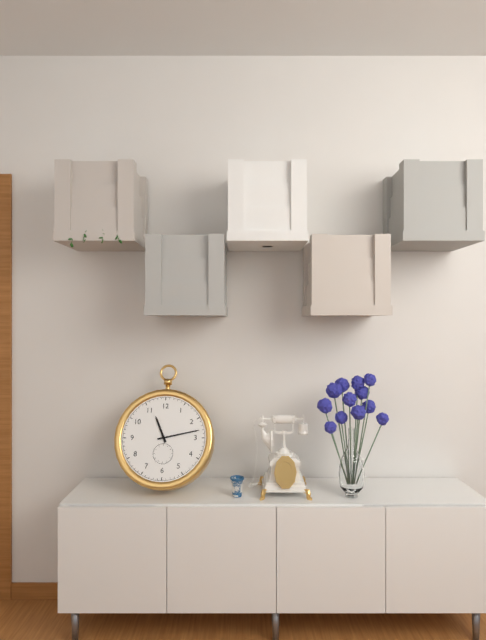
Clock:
11 h 13 min
